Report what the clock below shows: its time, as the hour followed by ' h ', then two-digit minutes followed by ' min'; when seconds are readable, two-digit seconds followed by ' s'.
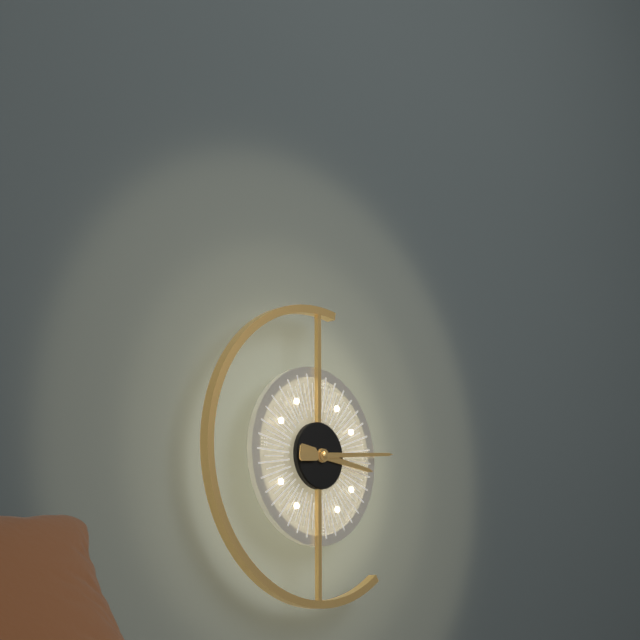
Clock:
3 h 14 min
